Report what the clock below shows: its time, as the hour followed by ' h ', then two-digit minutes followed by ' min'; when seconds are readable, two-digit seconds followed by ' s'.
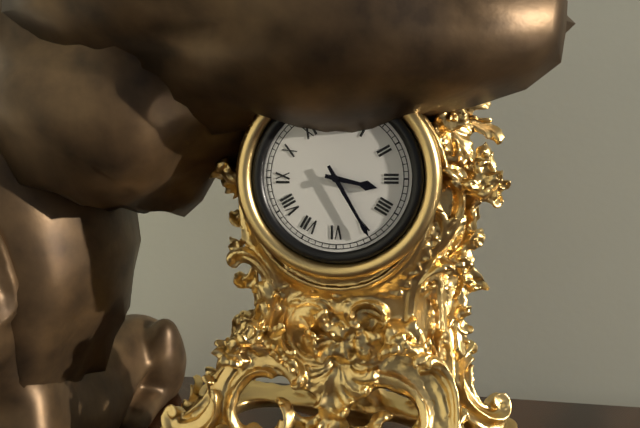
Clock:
3 h 25 min
